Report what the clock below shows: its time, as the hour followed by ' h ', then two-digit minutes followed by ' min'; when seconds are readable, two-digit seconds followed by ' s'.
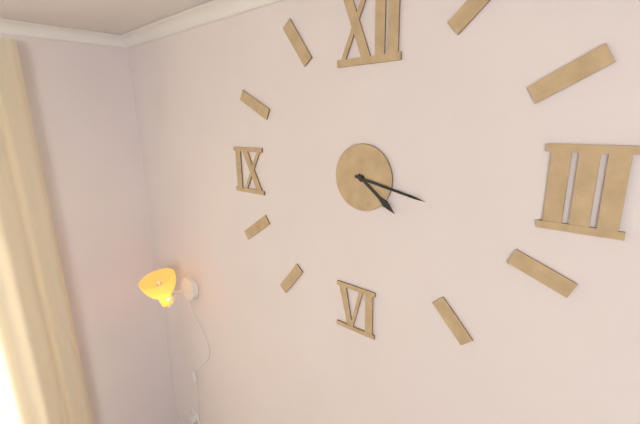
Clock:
4 h 17 min
